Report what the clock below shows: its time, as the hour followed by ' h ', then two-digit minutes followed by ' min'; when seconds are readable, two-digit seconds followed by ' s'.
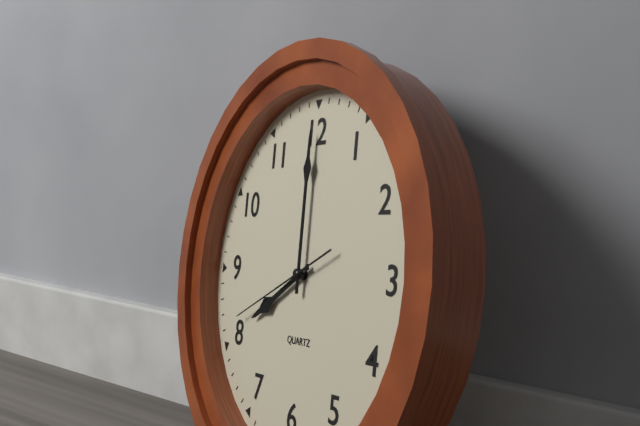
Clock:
8 h 00 min 41 s
